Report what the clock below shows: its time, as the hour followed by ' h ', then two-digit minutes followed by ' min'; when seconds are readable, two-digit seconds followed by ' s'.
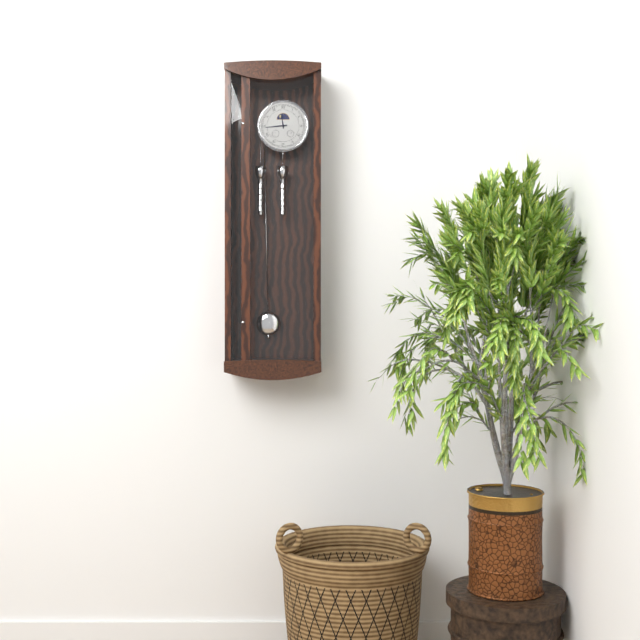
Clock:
11 h 44 min
